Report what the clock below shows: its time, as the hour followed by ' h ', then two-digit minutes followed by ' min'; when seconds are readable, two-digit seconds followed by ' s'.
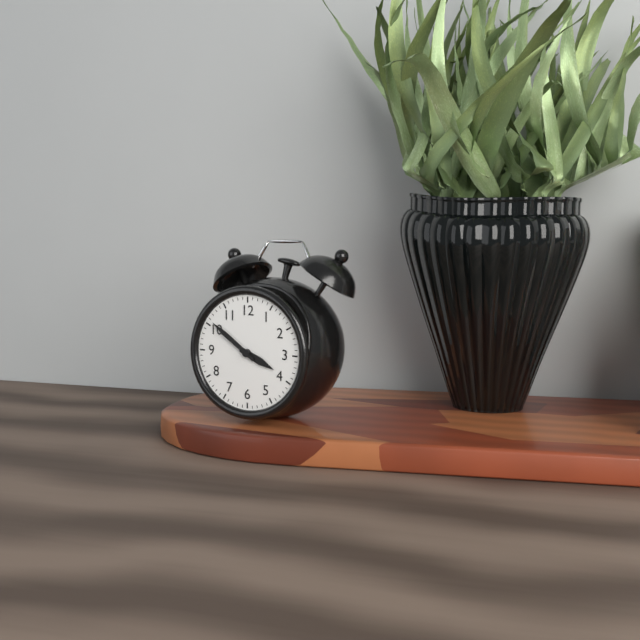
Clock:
3 h 51 min
